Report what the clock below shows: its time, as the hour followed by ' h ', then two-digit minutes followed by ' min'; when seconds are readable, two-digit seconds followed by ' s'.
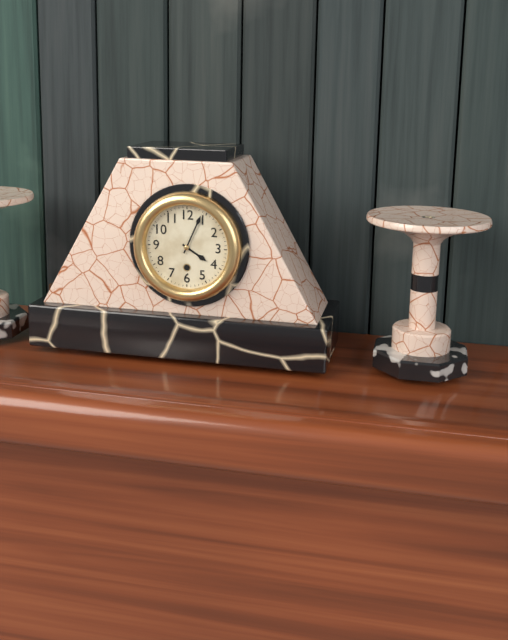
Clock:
4 h 04 min
